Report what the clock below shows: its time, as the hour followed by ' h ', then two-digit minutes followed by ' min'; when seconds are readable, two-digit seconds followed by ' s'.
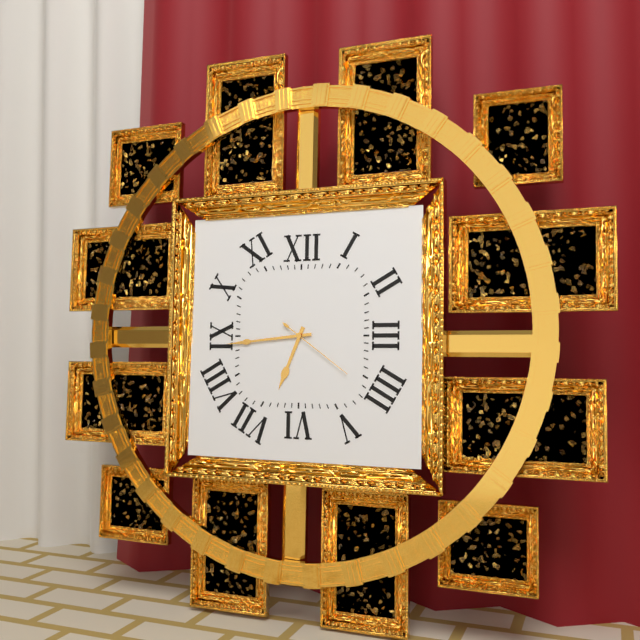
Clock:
6 h 44 min 21 s
